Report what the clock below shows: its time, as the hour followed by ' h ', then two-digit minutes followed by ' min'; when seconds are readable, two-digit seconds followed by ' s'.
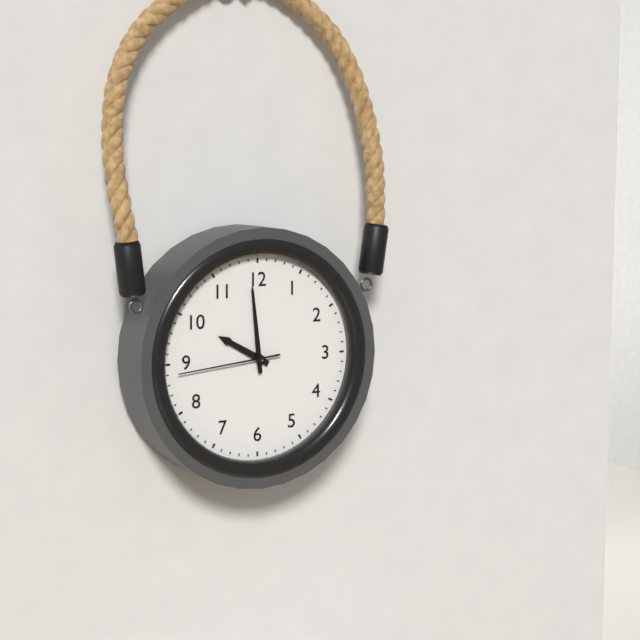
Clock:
9 h 59 min 44 s
